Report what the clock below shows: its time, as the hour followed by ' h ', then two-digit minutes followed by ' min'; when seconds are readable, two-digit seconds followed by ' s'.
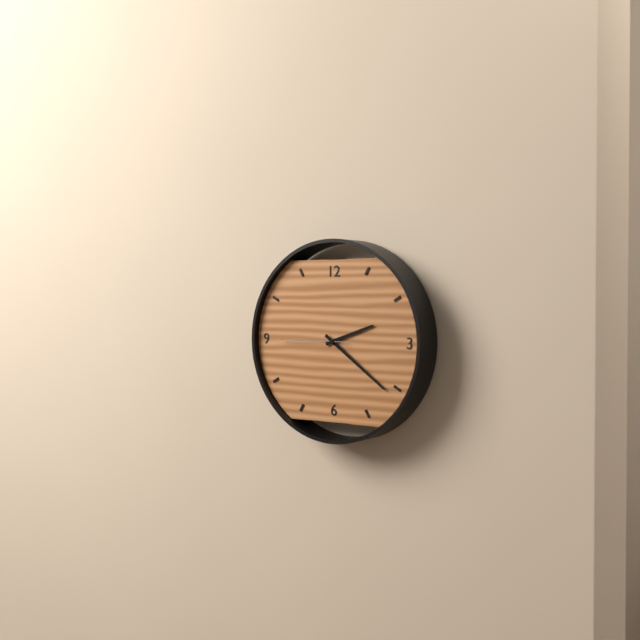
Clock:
2 h 21 min 45 s
